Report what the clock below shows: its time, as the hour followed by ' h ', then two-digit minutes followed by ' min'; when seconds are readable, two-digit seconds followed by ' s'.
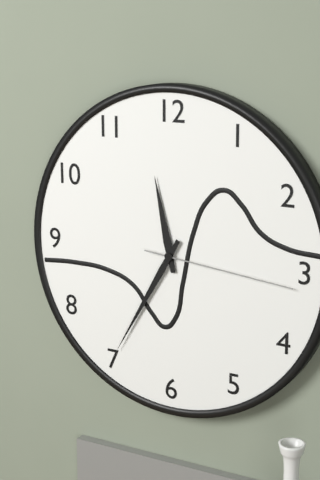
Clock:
11 h 35 min 16 s
